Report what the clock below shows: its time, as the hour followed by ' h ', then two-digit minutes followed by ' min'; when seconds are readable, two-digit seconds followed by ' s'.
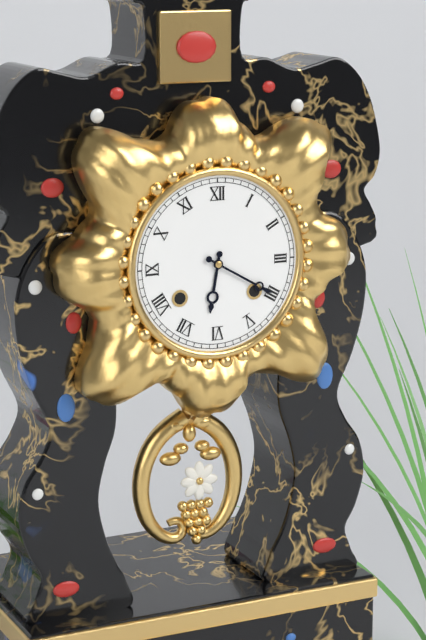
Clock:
6 h 20 min
